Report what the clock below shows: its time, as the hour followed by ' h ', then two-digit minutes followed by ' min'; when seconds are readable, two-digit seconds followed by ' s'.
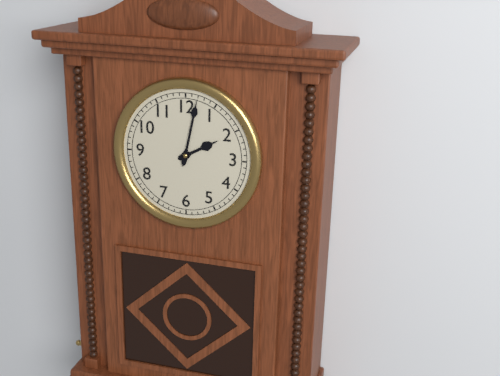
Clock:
2 h 02 min
